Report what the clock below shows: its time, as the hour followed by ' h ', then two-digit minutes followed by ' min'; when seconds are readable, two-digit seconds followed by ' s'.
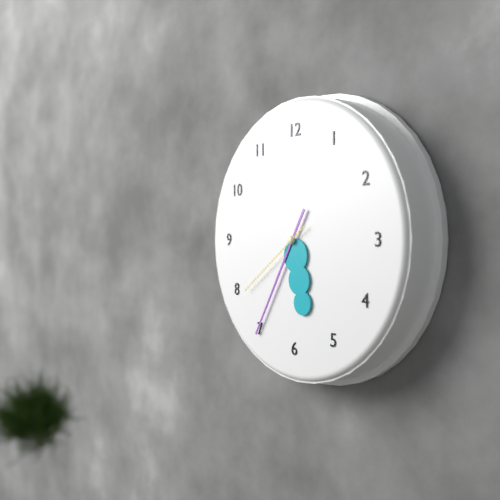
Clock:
5 h 35 min 39 s
